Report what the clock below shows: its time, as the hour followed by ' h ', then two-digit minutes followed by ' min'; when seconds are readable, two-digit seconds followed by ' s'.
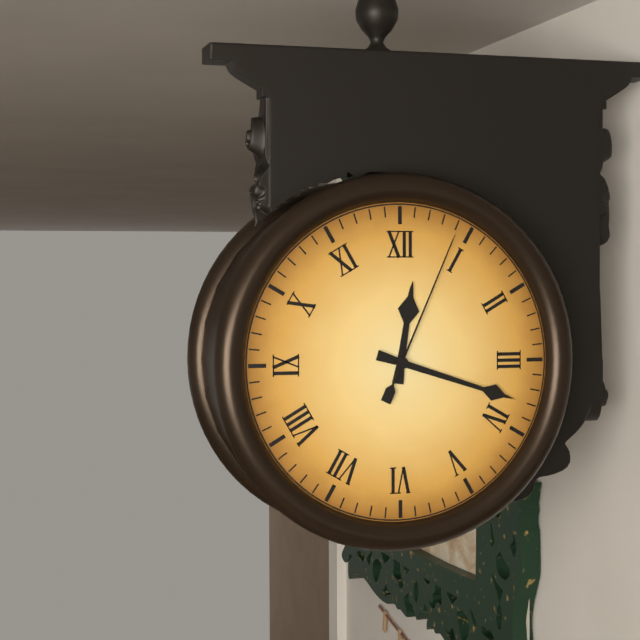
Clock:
12 h 18 min 04 s
